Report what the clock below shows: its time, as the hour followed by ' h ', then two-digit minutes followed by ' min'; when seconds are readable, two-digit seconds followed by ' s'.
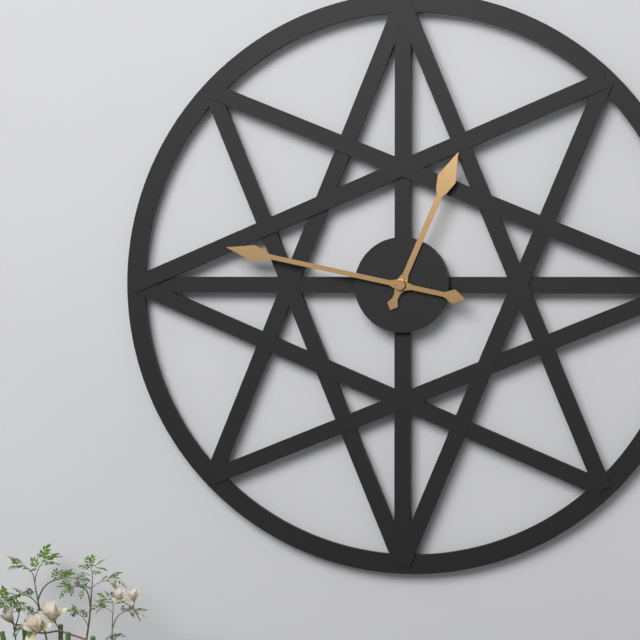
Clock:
12 h 47 min
